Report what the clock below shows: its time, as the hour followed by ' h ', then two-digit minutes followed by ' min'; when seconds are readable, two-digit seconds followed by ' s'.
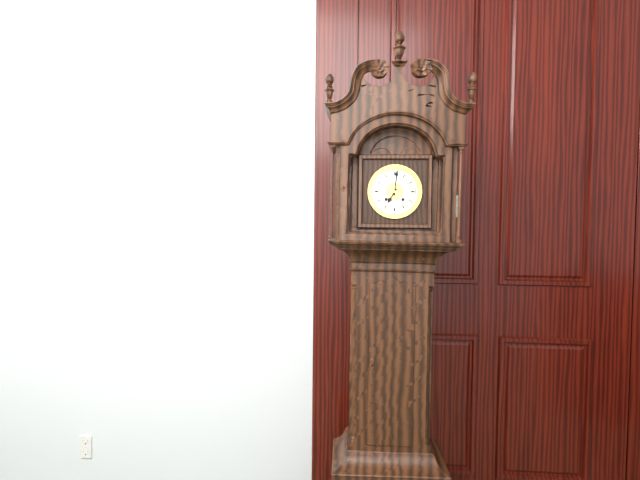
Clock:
7 h 01 min
